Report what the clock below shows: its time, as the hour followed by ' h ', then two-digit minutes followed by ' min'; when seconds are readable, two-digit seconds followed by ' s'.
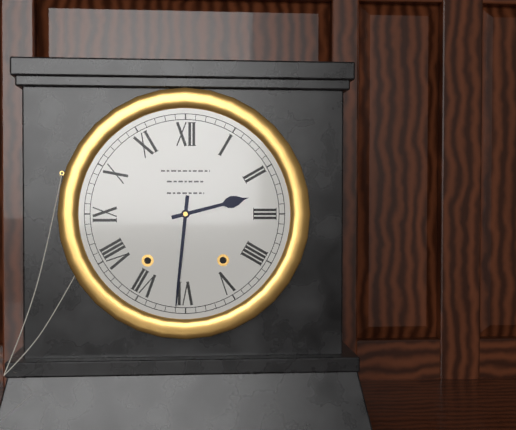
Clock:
2 h 31 min
